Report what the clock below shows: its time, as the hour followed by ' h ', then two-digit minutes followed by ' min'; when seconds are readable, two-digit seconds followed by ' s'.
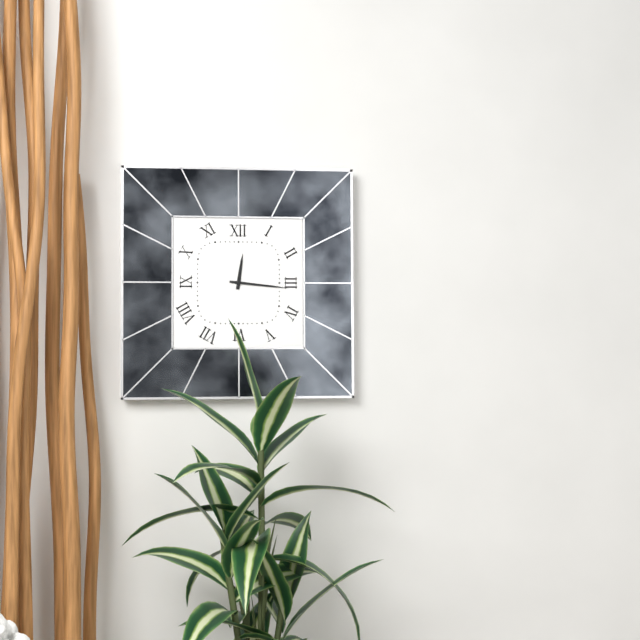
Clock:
12 h 16 min
